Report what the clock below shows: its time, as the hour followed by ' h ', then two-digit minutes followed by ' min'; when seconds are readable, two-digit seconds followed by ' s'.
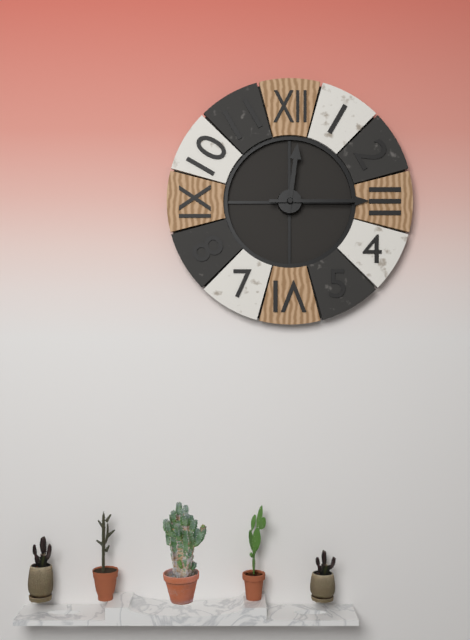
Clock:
12 h 15 min
